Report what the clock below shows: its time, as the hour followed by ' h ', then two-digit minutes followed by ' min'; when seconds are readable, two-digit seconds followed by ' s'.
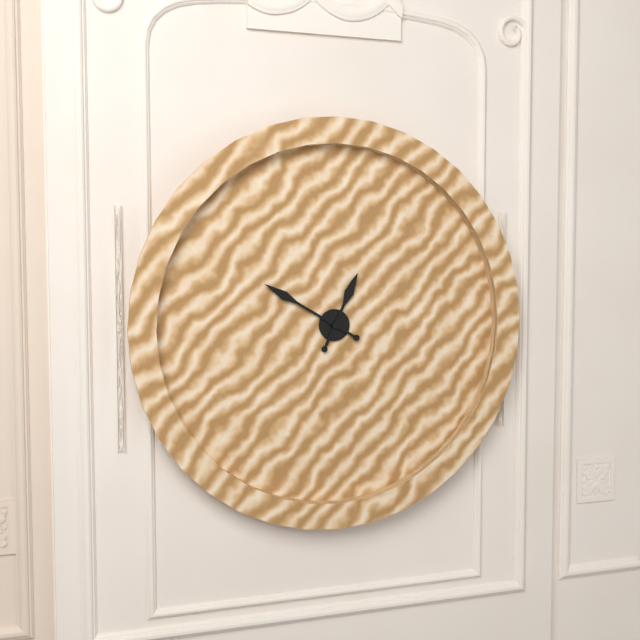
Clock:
12 h 50 min
